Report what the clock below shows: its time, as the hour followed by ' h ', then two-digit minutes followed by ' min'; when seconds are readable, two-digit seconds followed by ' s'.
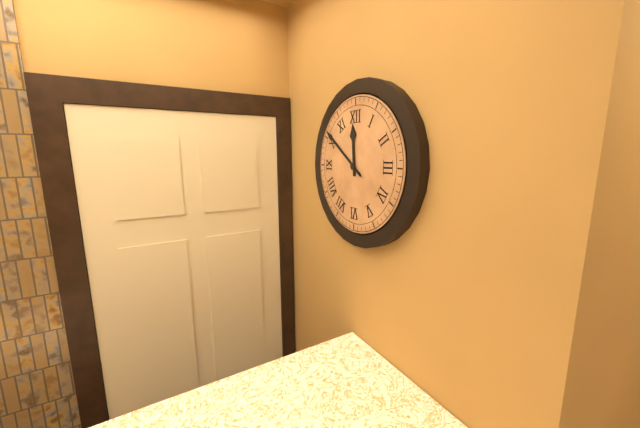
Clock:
11 h 51 min
